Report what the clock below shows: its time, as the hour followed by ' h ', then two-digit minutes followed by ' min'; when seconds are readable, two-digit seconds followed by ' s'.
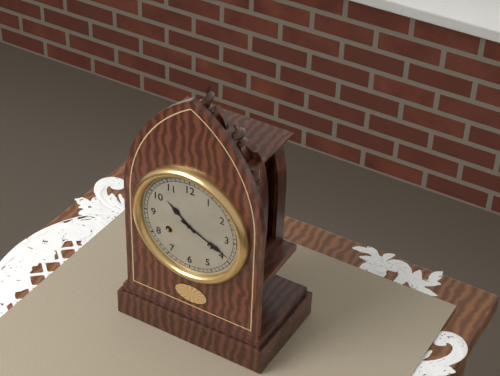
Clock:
10 h 19 min
